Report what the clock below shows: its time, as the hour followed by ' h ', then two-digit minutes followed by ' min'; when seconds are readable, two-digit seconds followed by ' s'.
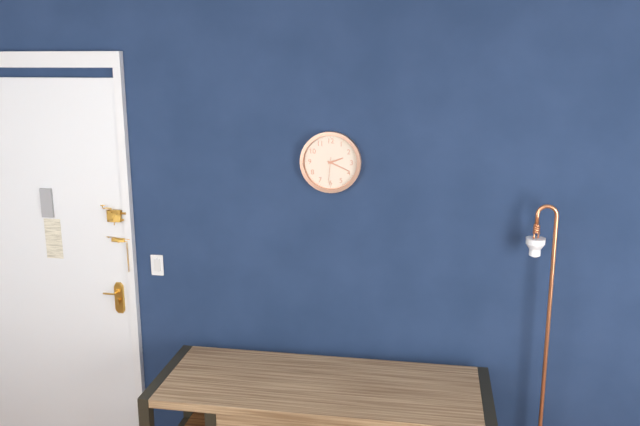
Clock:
2 h 19 min
